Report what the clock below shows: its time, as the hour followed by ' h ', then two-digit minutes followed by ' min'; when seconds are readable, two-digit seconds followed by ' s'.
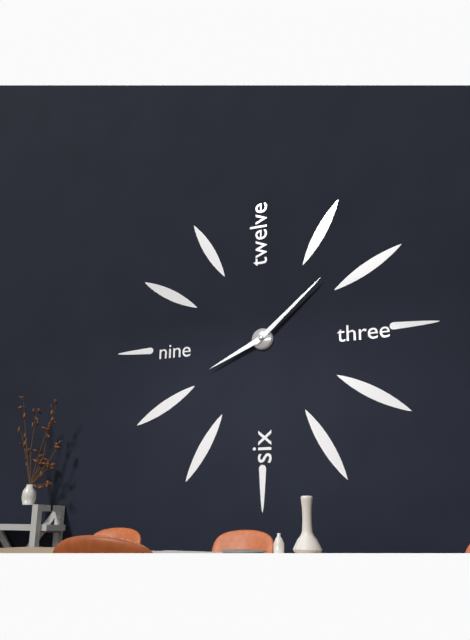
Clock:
8 h 08 min
